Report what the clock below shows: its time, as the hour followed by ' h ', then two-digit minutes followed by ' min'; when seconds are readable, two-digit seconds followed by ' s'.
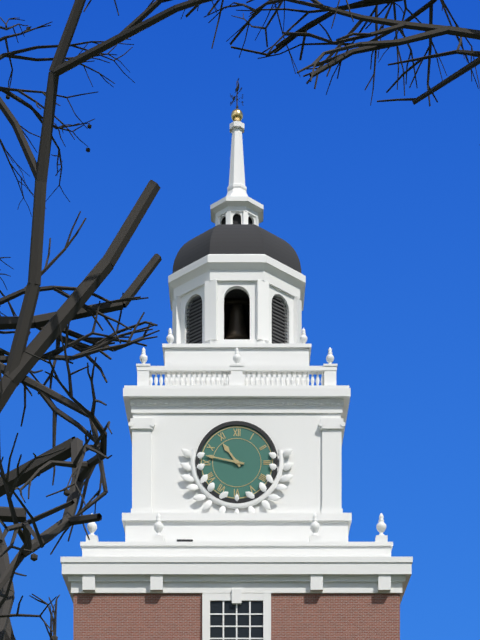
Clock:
10 h 47 min
